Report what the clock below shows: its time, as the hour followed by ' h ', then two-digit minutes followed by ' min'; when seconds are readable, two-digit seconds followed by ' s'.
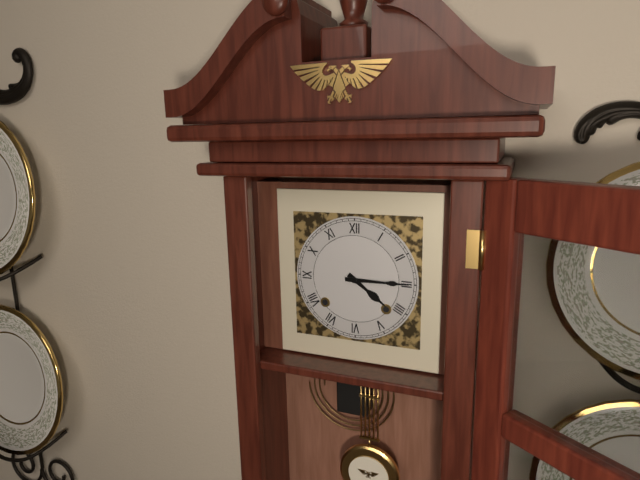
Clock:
4 h 15 min
